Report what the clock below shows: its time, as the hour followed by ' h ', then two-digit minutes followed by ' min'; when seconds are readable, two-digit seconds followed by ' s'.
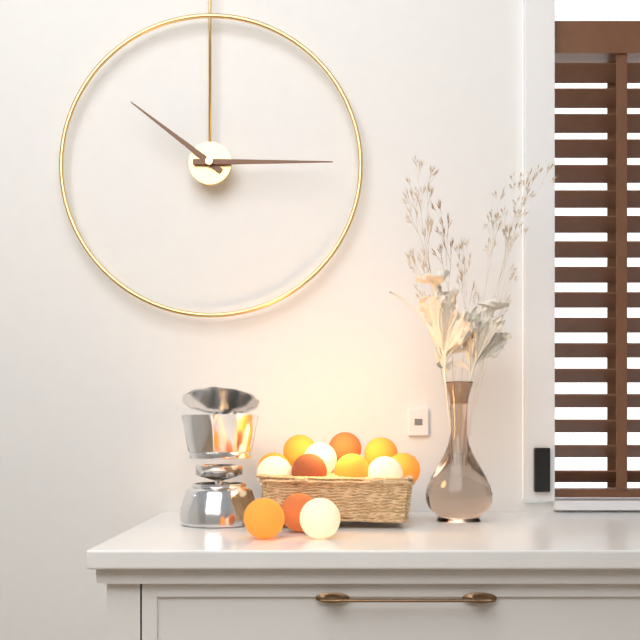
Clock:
10 h 15 min
